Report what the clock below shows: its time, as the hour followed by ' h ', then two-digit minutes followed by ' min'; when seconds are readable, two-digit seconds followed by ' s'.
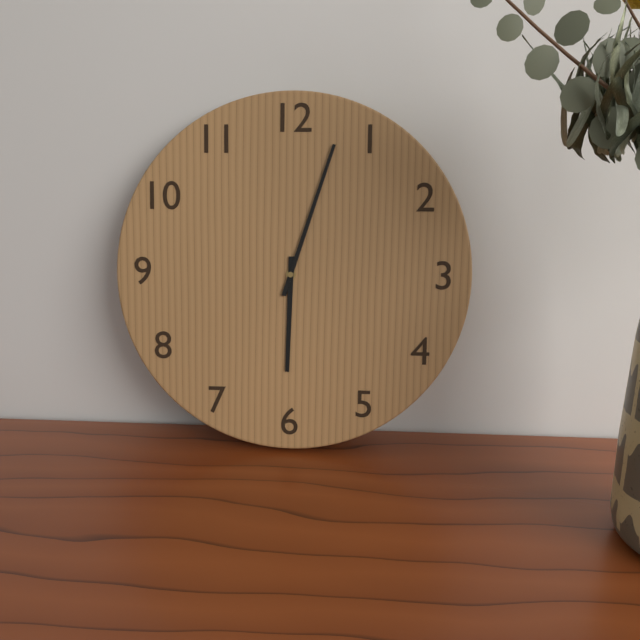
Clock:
6 h 03 min
